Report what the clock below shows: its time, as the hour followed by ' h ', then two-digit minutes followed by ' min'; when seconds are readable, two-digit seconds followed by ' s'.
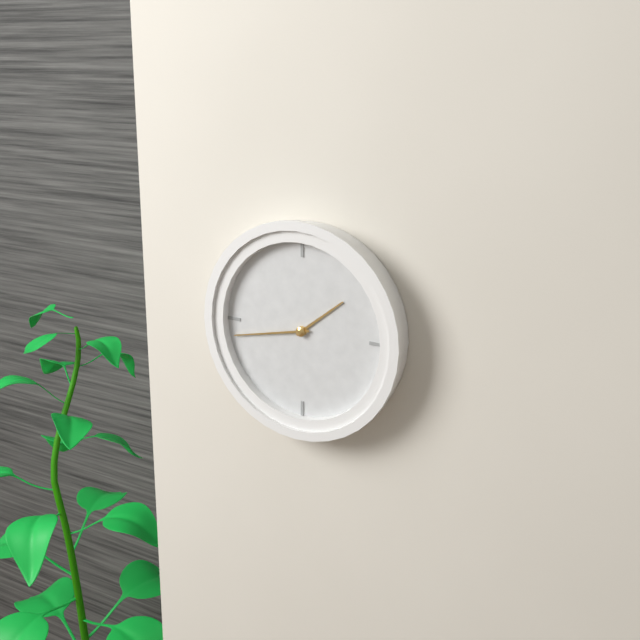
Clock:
1 h 43 min
